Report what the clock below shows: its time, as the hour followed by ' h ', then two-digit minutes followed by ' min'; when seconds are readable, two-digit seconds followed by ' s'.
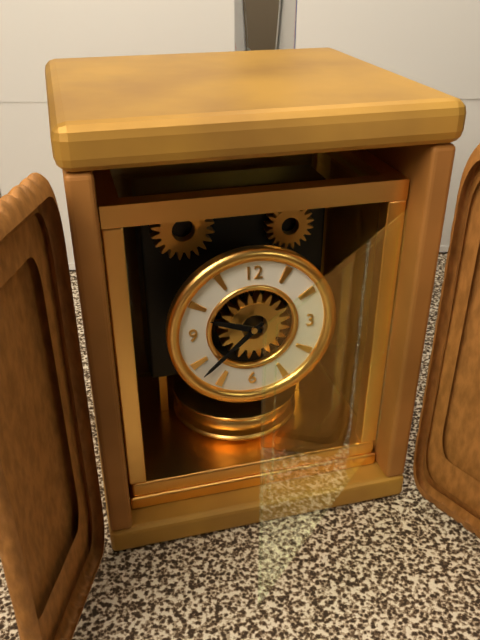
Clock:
9 h 38 min
